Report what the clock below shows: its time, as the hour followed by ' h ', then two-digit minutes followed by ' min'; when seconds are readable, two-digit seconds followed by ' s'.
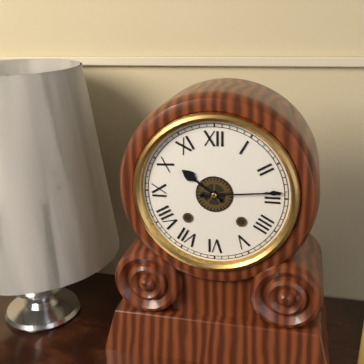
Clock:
10 h 14 min
